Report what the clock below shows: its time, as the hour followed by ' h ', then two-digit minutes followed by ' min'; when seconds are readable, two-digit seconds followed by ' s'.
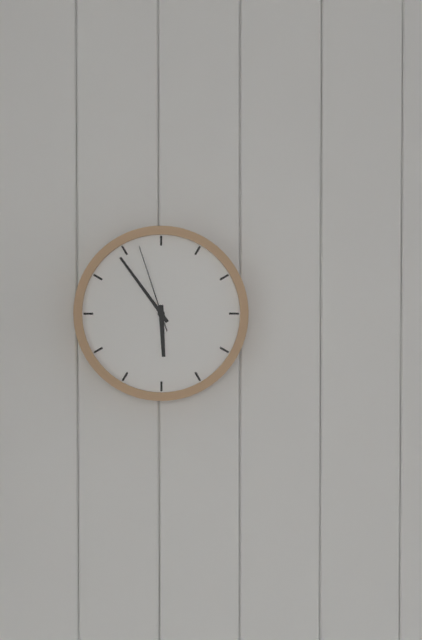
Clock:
5 h 54 min 57 s
